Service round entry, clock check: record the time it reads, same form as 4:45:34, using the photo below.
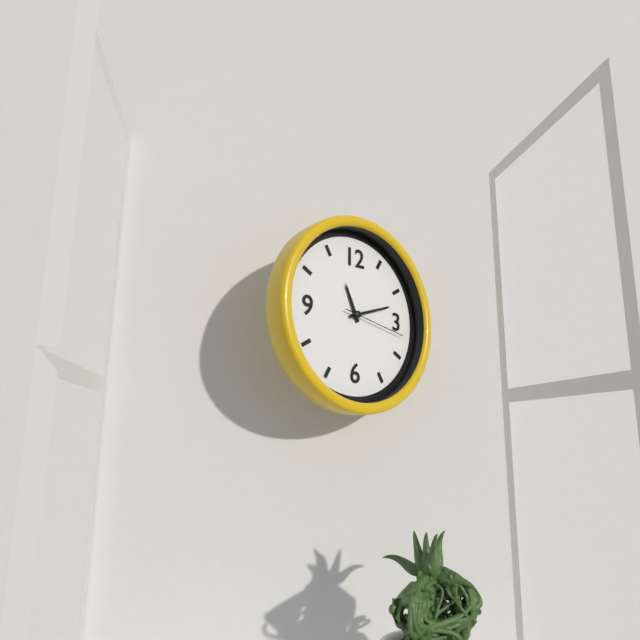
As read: 11:12:17
